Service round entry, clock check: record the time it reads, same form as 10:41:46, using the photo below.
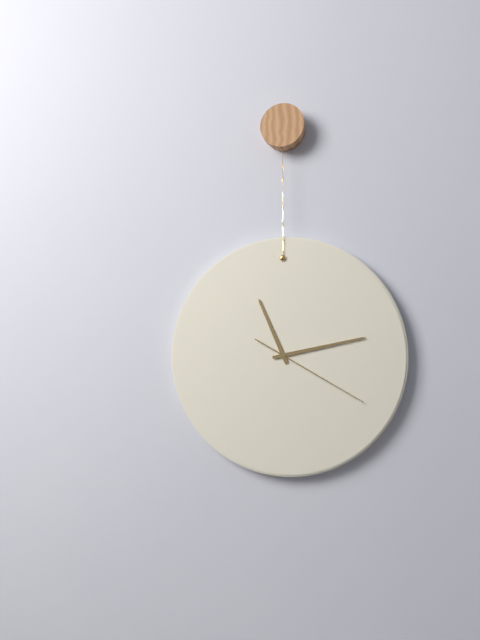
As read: 11:13:20
